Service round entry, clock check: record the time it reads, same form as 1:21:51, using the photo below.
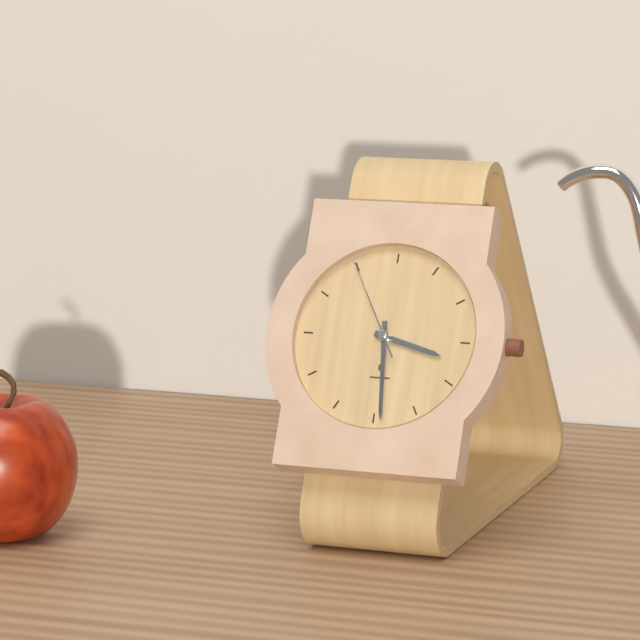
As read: 3:29:55
